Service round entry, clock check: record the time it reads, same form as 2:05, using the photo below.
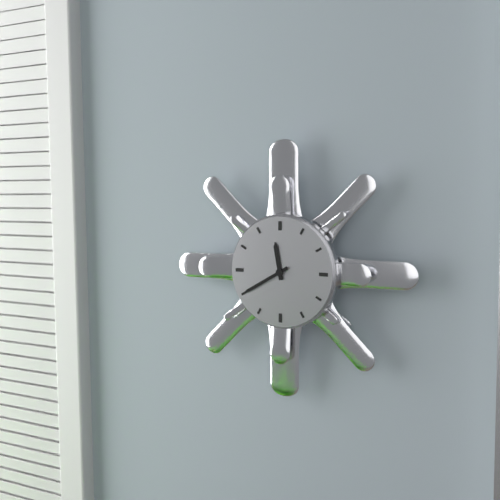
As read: 11:40
